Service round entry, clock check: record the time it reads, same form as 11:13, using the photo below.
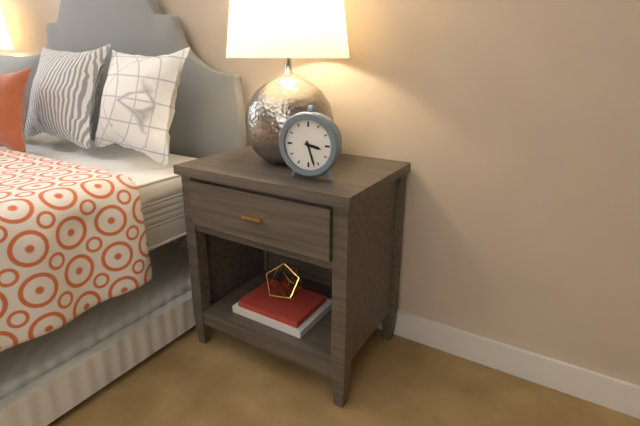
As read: 3:27
